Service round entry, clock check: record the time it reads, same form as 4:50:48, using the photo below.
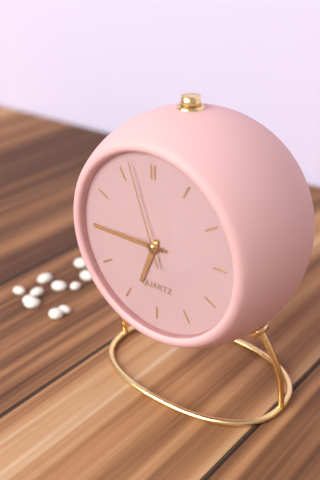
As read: 6:45:57
